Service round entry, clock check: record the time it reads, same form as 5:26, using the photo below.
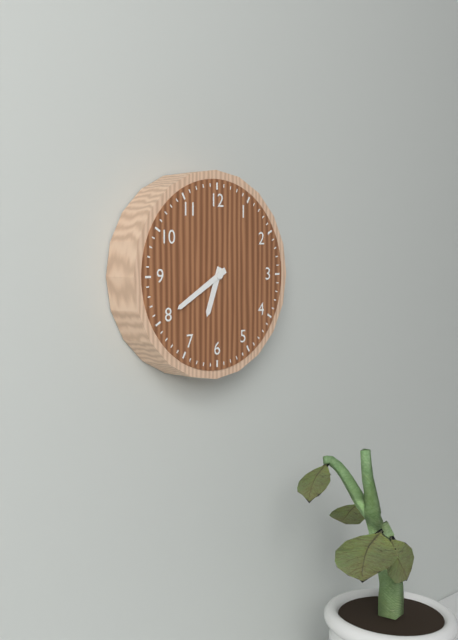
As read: 6:40
